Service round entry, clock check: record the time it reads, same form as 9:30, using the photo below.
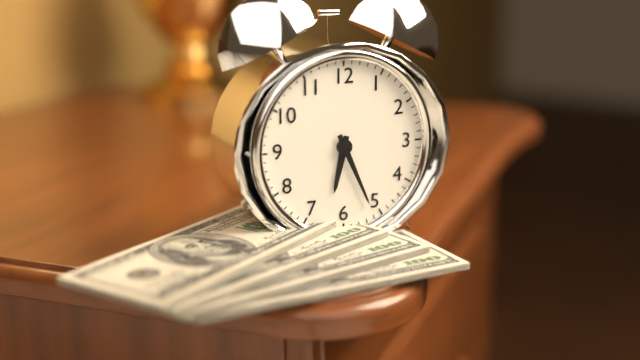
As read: 6:26
